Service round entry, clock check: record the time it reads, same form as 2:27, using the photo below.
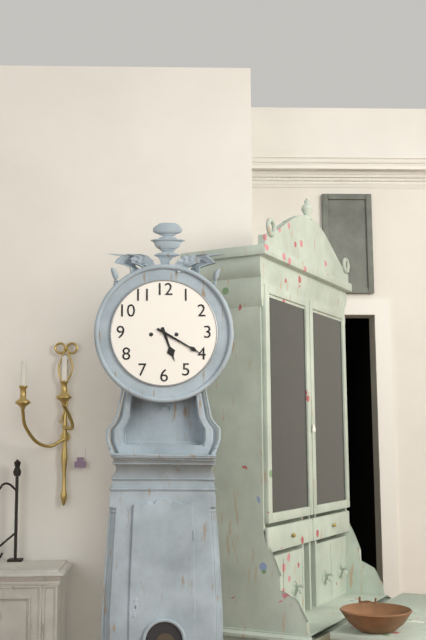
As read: 5:20
